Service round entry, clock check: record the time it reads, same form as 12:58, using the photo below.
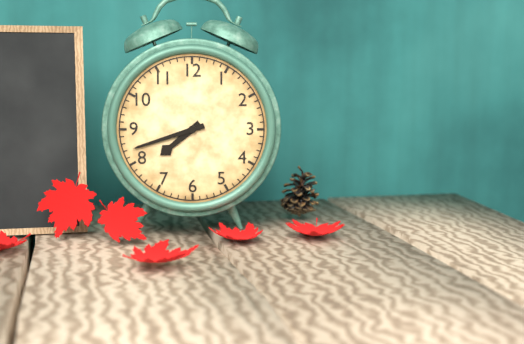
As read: 7:42
